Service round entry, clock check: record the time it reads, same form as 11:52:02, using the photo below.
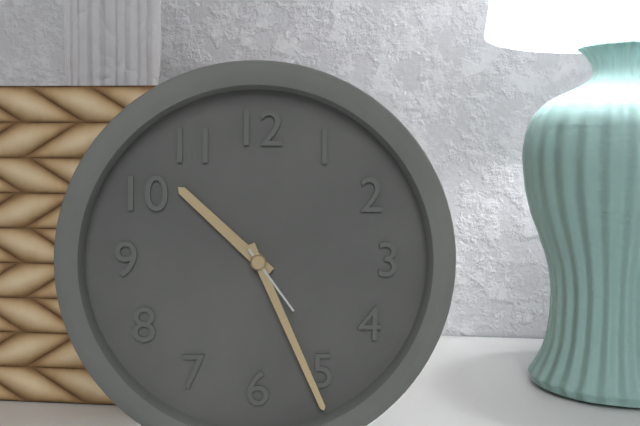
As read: 10:26:24
